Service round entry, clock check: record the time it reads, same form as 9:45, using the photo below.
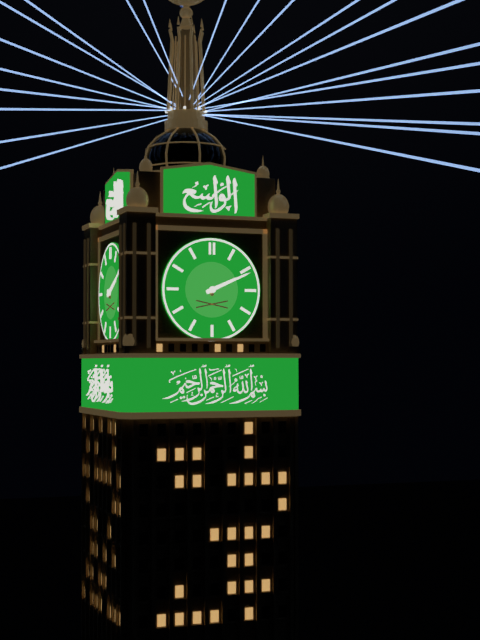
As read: 2:11
